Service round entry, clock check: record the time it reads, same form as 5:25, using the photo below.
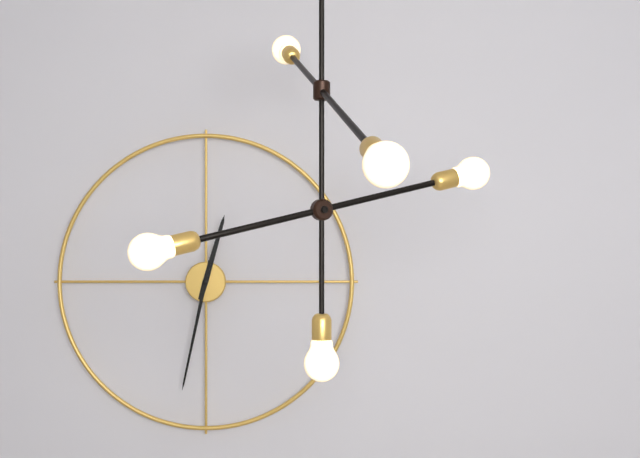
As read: 12:32
